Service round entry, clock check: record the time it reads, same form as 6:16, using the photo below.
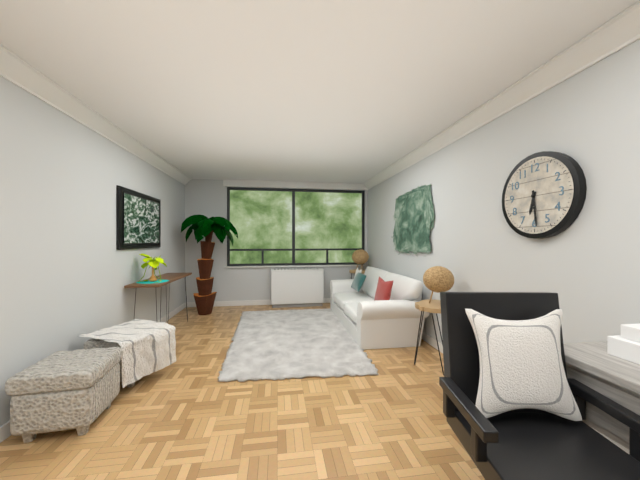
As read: 6:29
